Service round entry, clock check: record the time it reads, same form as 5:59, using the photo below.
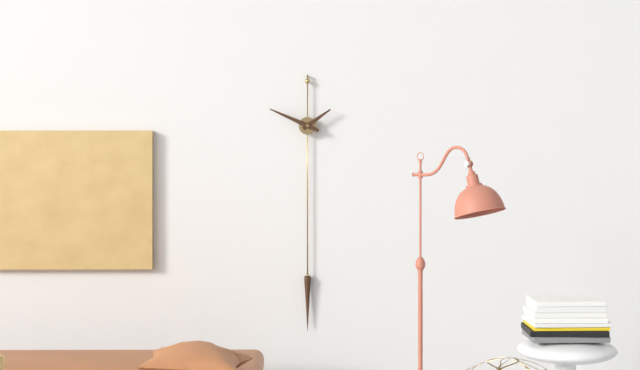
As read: 1:49
